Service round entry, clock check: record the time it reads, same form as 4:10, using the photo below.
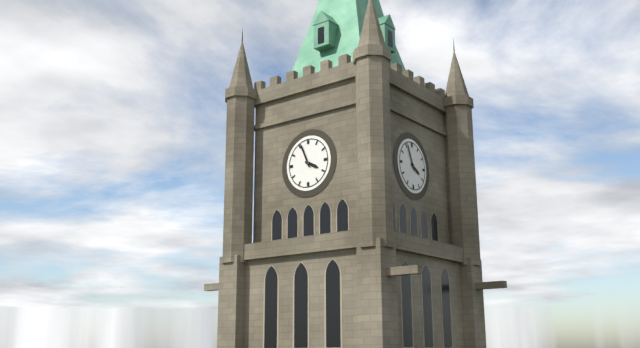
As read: 3:56
